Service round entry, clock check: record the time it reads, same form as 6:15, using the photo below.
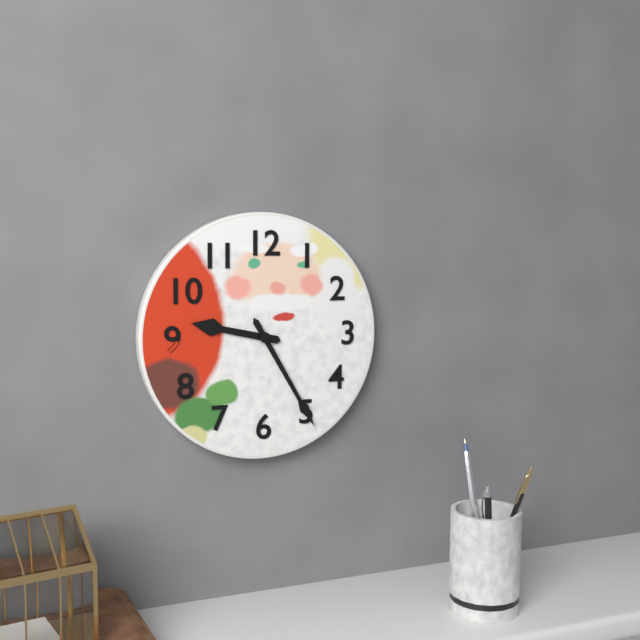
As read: 9:25
